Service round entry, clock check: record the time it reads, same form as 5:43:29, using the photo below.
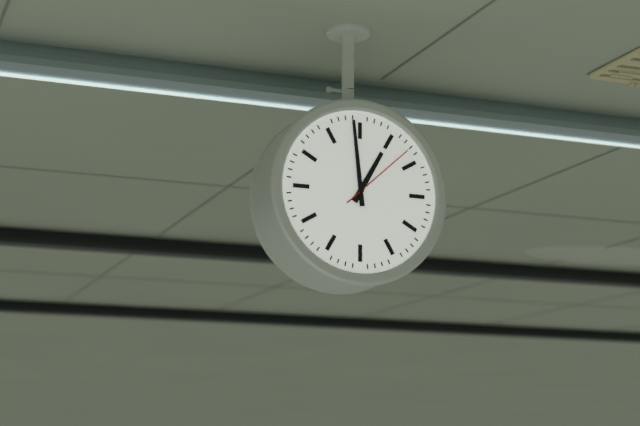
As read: 12:59:08
